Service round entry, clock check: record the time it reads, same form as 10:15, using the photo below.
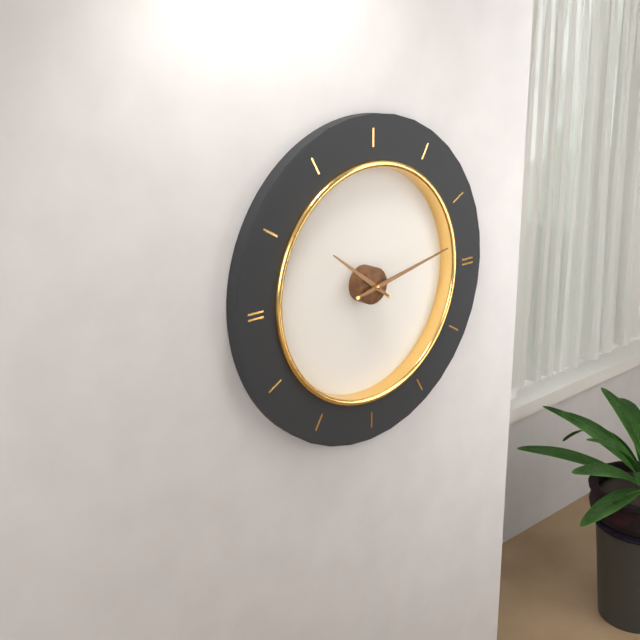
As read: 10:13
